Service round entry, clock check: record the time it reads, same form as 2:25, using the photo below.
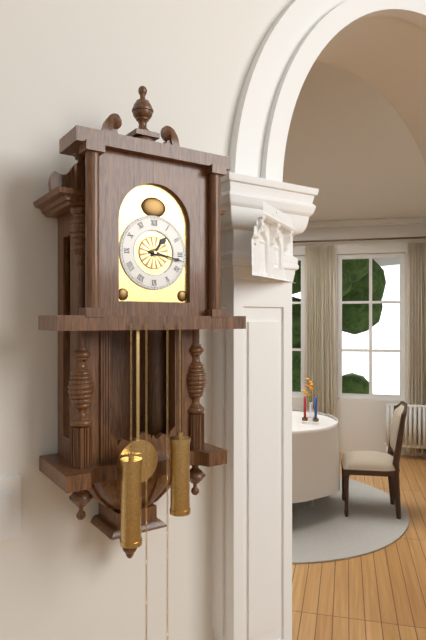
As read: 1:17
